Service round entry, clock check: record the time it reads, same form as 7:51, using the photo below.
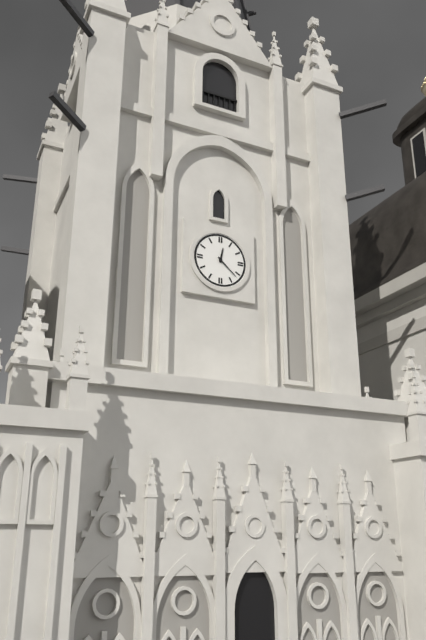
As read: 12:22
